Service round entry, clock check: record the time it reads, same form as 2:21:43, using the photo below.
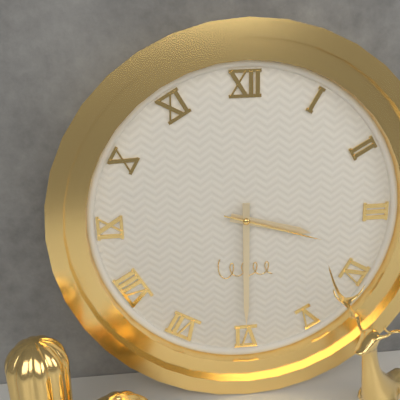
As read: 3:30:18
